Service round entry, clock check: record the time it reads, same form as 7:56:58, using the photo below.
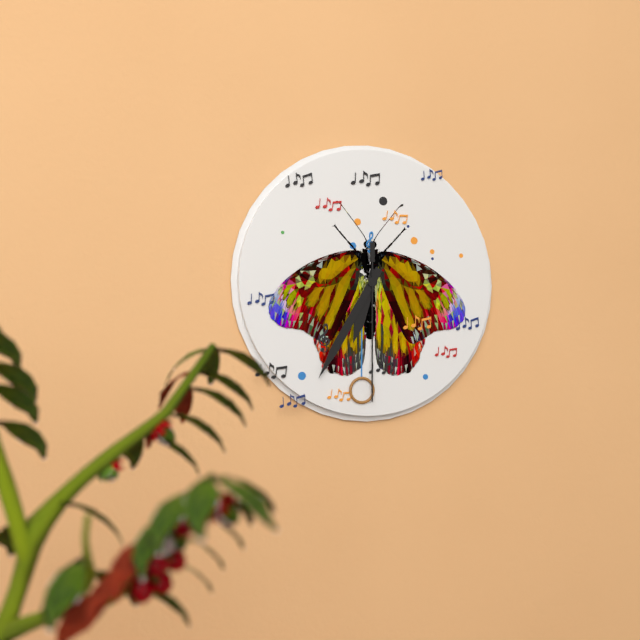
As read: 6:35:30
